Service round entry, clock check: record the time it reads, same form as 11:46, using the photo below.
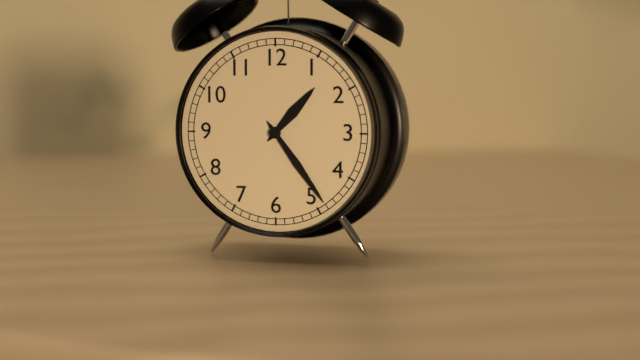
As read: 1:24
